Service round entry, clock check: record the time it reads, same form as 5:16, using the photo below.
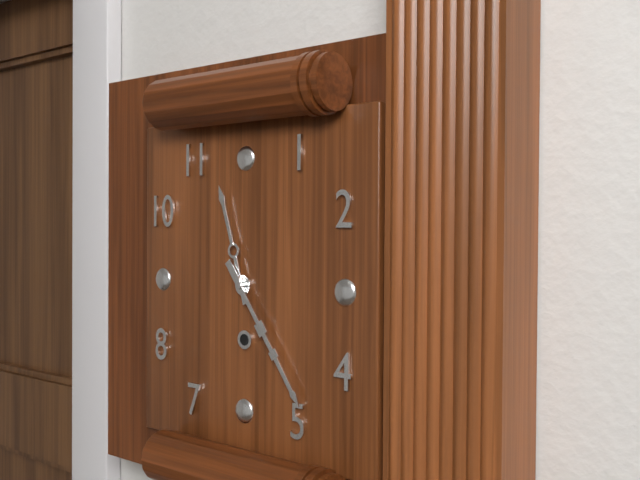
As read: 11:24
